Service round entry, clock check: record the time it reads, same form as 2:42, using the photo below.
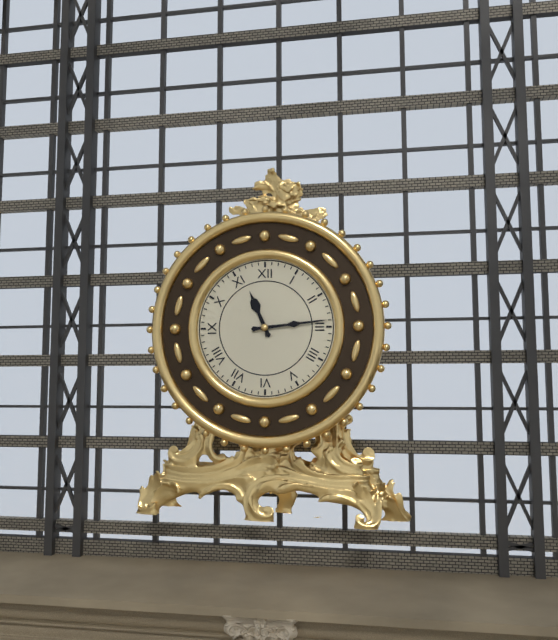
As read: 11:14
